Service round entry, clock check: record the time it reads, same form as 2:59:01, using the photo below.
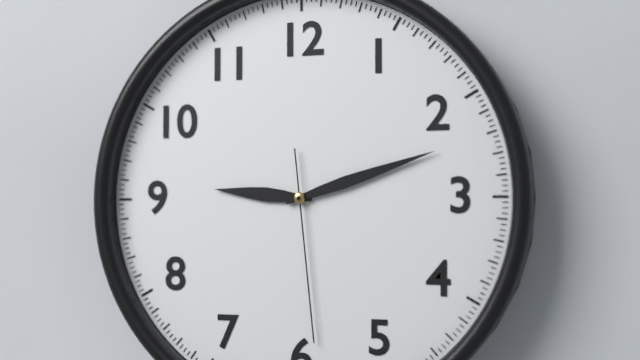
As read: 9:12:29
